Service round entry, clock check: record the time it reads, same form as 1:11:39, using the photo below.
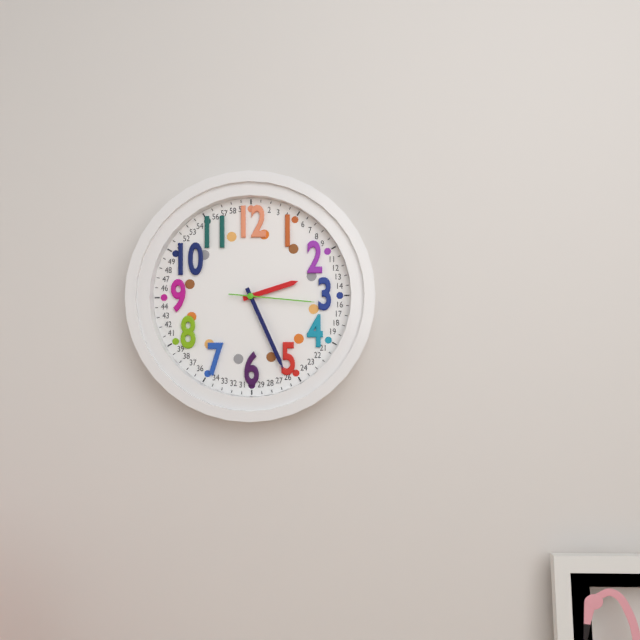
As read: 2:26:16
